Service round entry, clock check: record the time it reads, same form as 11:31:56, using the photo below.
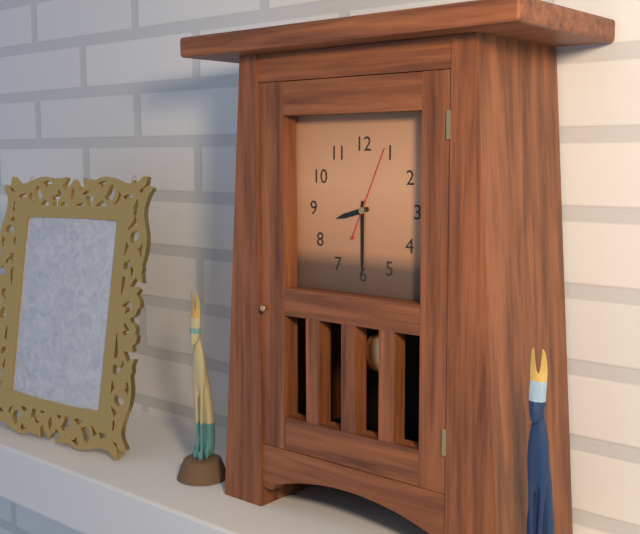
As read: 8:30:04
